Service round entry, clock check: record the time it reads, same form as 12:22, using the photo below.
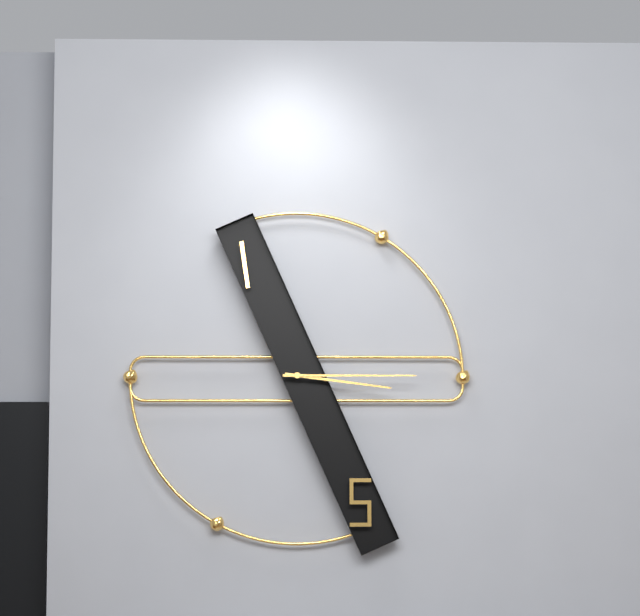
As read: 3:15
